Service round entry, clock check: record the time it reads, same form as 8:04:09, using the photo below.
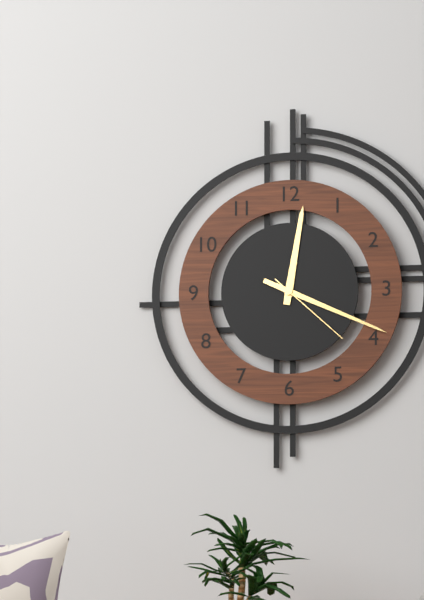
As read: 12:19:22
